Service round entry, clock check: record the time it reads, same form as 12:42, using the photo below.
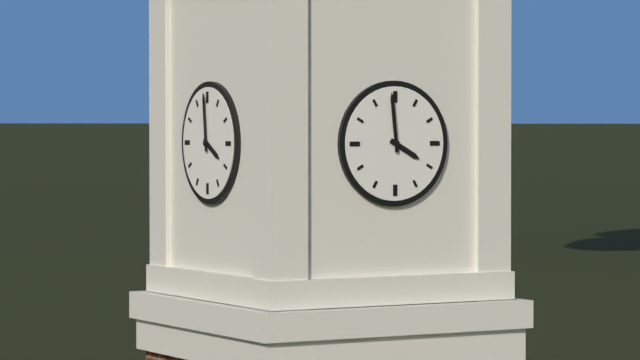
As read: 3:59
